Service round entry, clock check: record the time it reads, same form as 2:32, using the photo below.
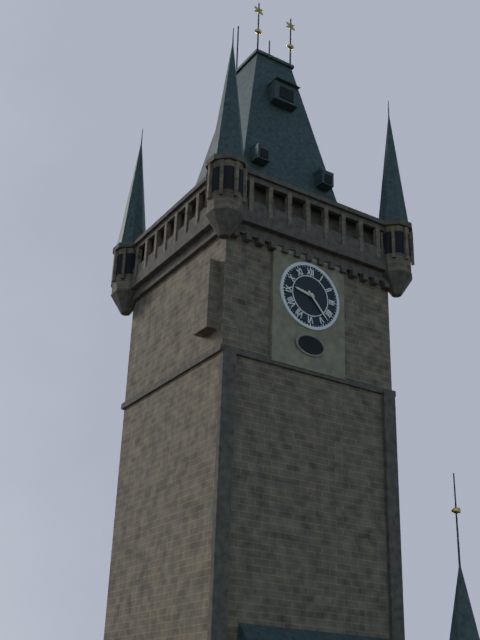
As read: 9:23
